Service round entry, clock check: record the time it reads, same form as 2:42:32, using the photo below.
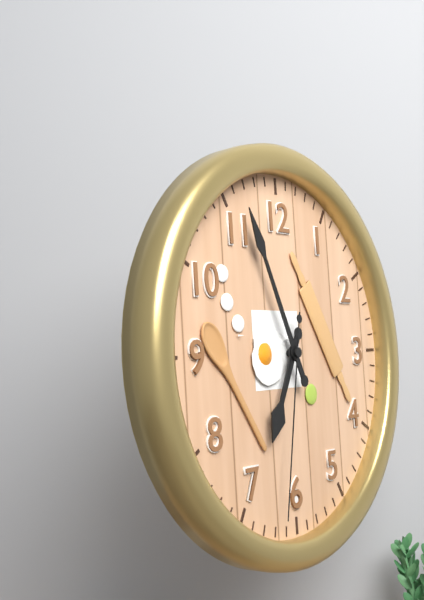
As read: 6:56:32
